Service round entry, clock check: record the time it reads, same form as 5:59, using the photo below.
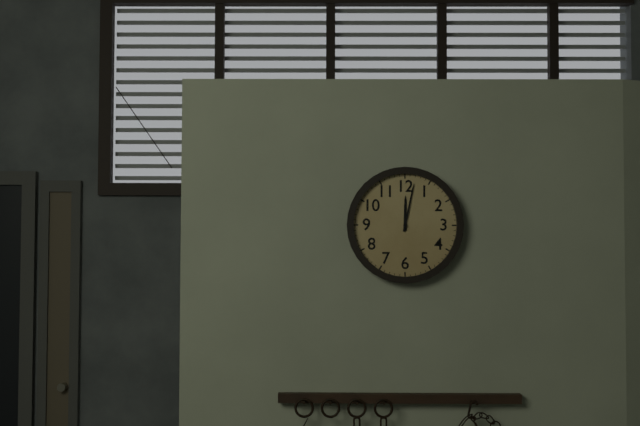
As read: 12:02
